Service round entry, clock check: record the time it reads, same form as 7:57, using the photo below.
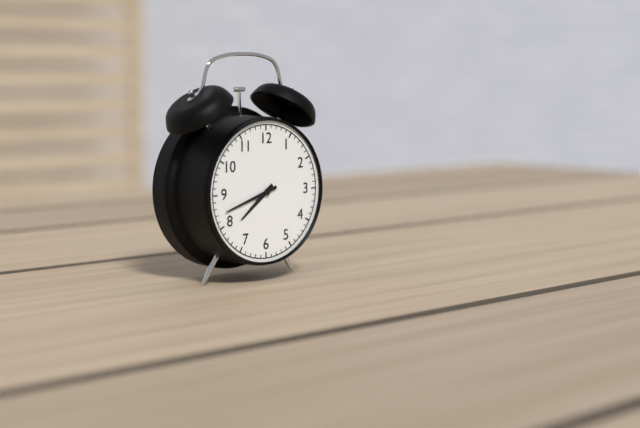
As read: 7:42
